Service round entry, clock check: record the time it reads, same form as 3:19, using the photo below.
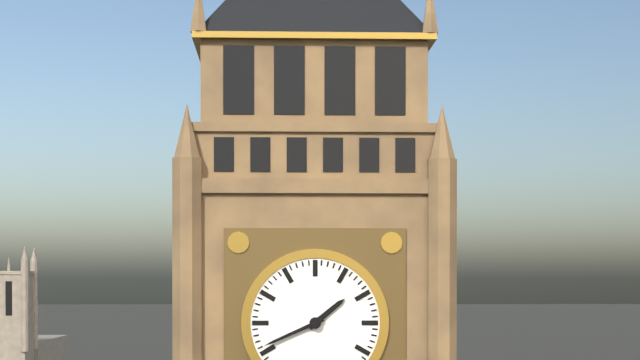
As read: 1:41
